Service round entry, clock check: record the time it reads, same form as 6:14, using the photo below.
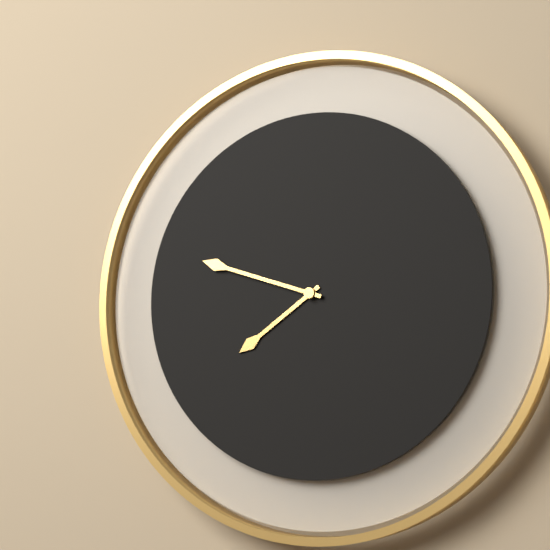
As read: 7:48
